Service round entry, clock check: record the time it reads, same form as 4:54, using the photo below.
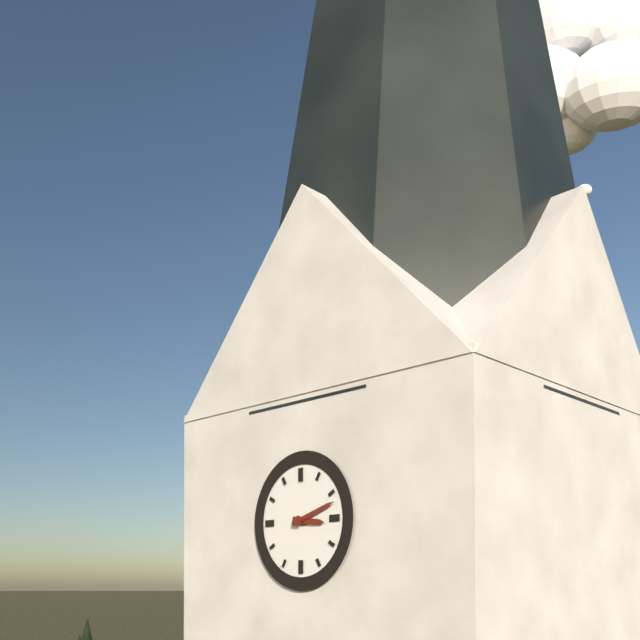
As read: 3:12
